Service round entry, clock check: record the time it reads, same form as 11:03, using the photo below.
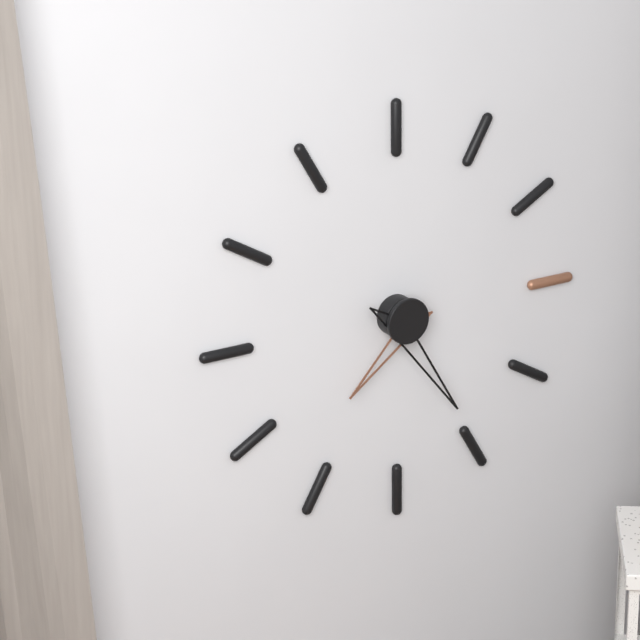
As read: 7:25
